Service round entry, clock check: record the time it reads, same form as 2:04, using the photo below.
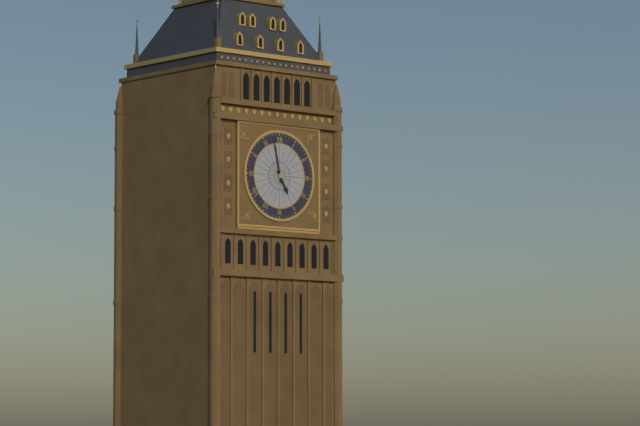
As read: 4:58
